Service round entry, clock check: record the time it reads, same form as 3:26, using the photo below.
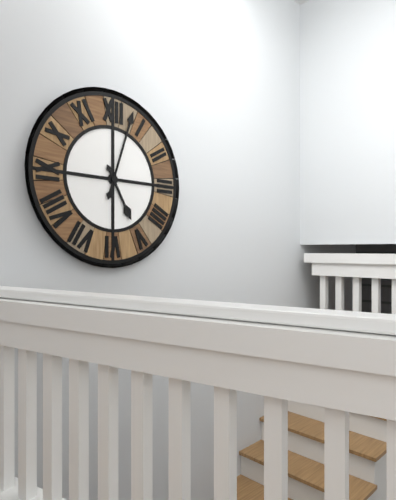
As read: 5:03
